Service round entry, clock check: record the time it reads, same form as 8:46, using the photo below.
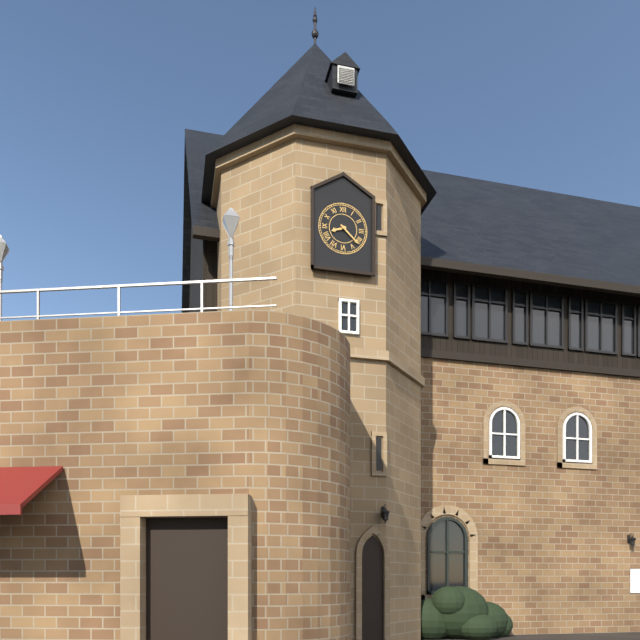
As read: 8:22
